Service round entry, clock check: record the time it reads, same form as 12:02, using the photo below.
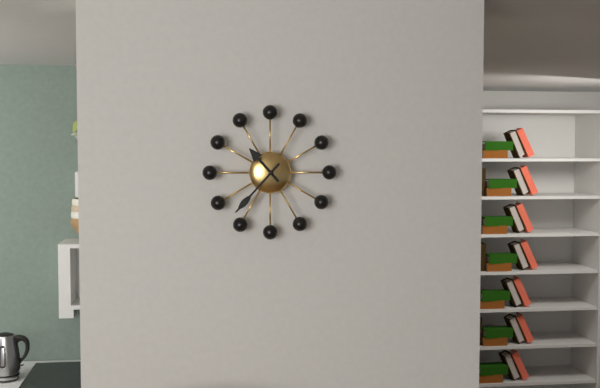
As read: 10:37
